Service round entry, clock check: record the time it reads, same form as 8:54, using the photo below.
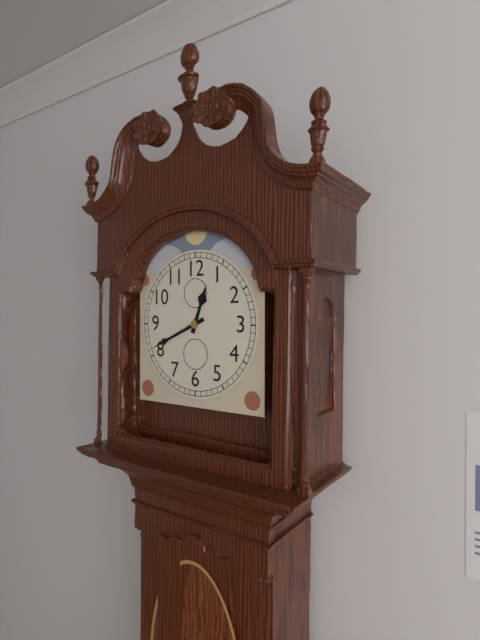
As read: 12:41
